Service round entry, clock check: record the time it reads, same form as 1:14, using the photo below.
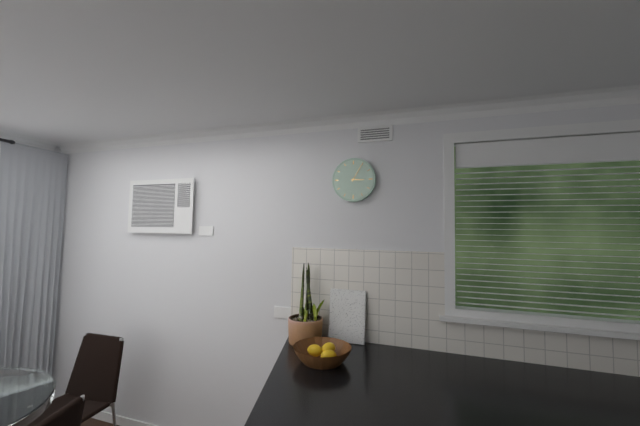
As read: 3:05
